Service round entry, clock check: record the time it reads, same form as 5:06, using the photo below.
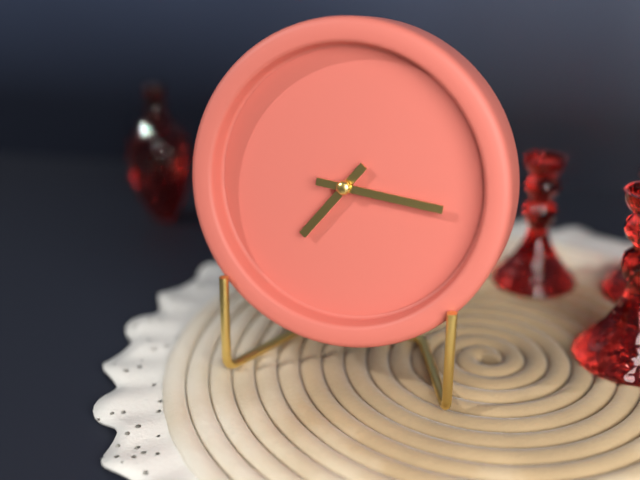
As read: 7:16
